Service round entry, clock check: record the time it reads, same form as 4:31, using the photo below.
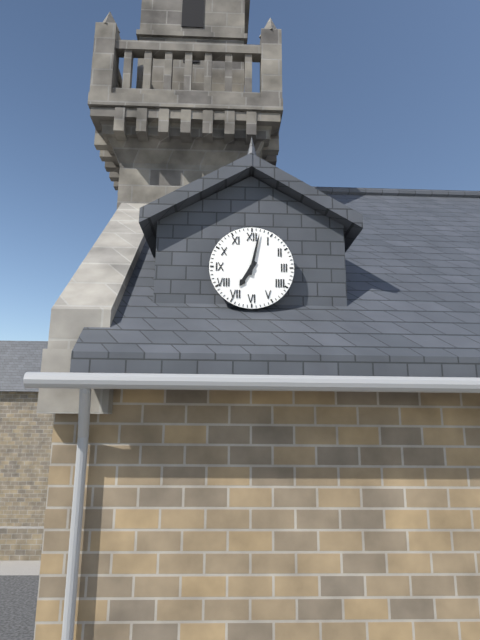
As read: 7:02
